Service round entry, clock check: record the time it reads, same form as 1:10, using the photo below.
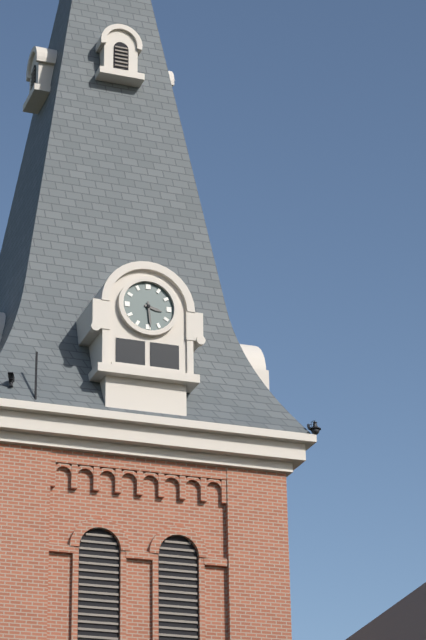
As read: 3:29
